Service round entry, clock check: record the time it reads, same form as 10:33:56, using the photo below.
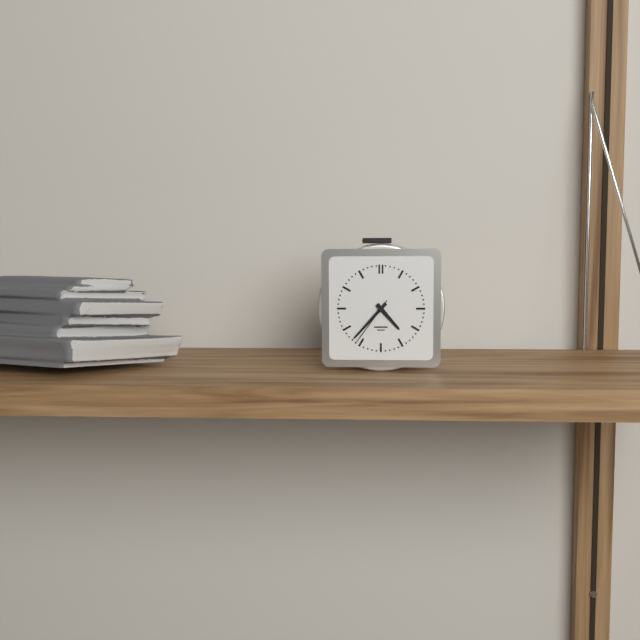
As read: 4:37:36
